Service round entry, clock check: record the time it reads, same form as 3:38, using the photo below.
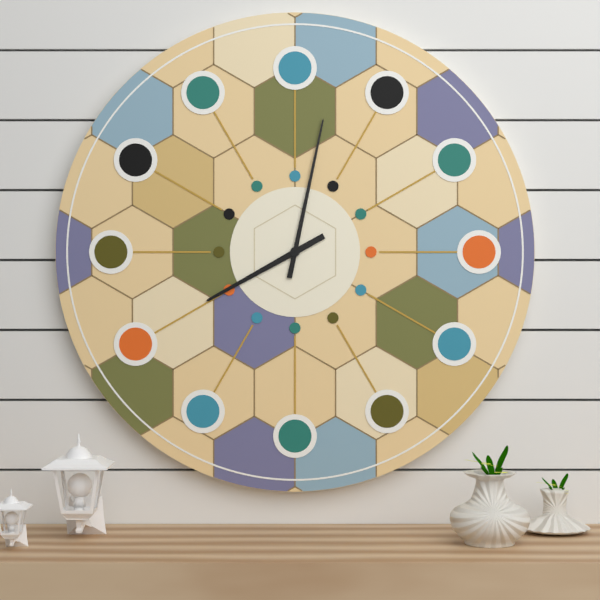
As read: 8:02
